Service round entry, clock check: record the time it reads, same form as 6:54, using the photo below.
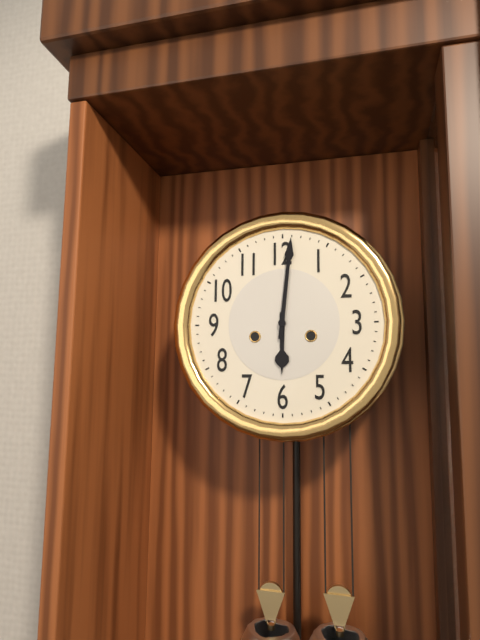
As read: 6:01
